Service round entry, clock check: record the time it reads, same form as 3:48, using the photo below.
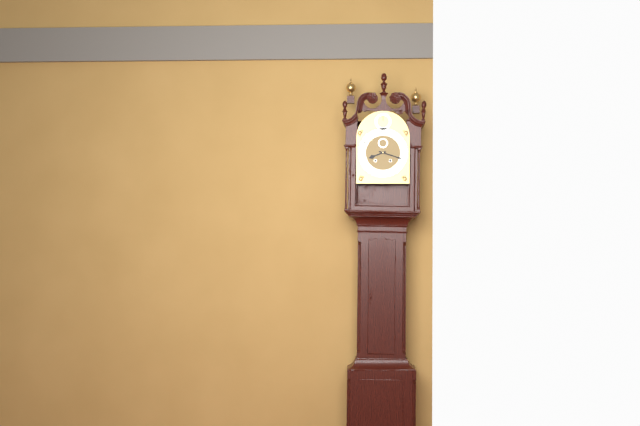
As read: 8:18
